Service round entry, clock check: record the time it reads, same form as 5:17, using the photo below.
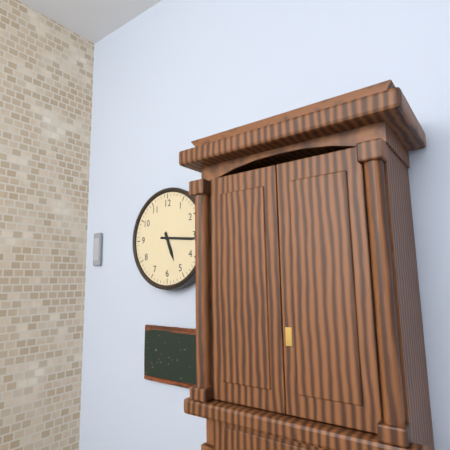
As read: 5:16
